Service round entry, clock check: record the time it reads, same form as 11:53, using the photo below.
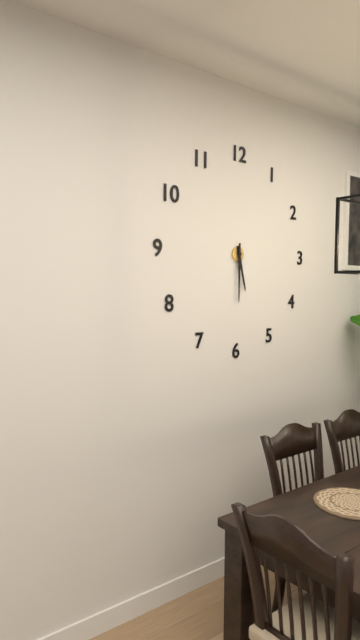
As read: 5:30
